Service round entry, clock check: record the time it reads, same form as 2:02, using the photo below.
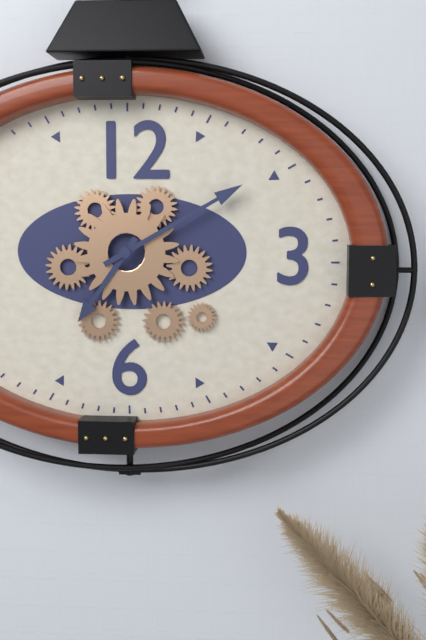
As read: 7:10
